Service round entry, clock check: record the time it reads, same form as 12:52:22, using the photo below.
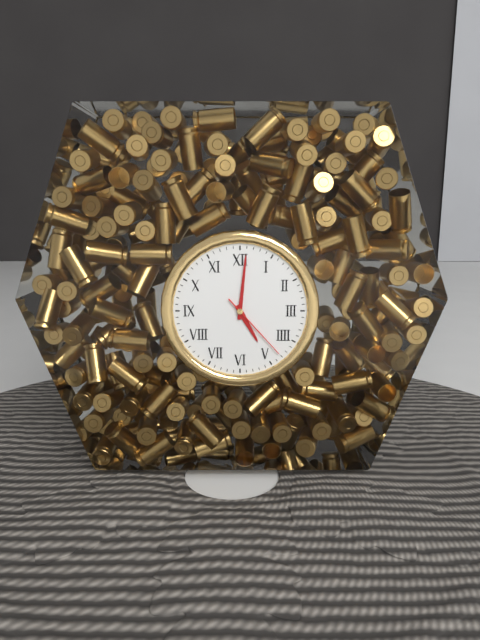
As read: 5:01:23
